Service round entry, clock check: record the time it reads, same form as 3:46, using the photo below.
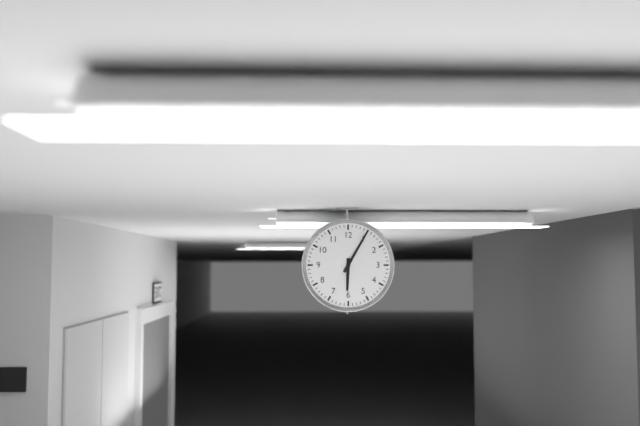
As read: 6:05
